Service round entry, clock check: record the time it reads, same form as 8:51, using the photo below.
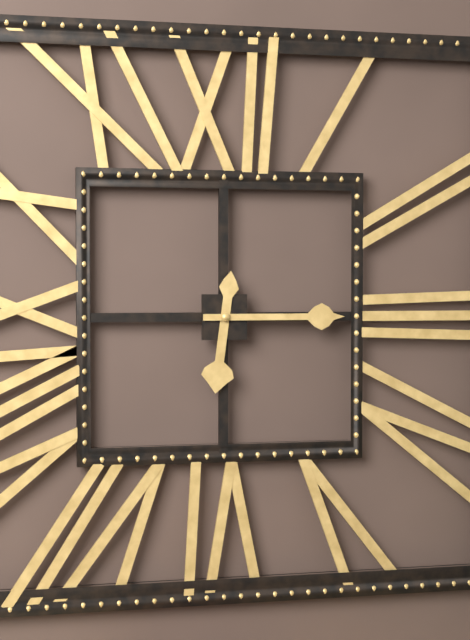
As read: 6:15
